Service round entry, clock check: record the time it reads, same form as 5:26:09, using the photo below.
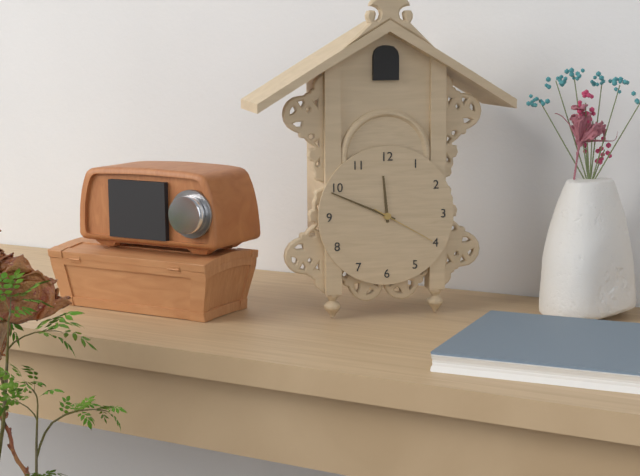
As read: 11:49:20
